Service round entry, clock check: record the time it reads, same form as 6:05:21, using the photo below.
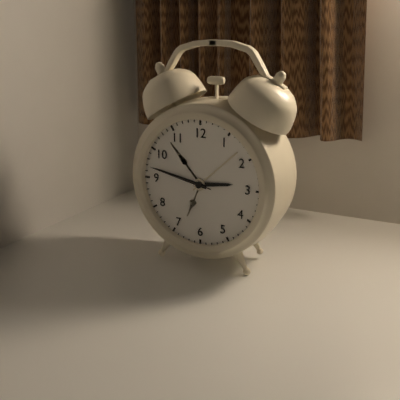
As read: 2:47:47
